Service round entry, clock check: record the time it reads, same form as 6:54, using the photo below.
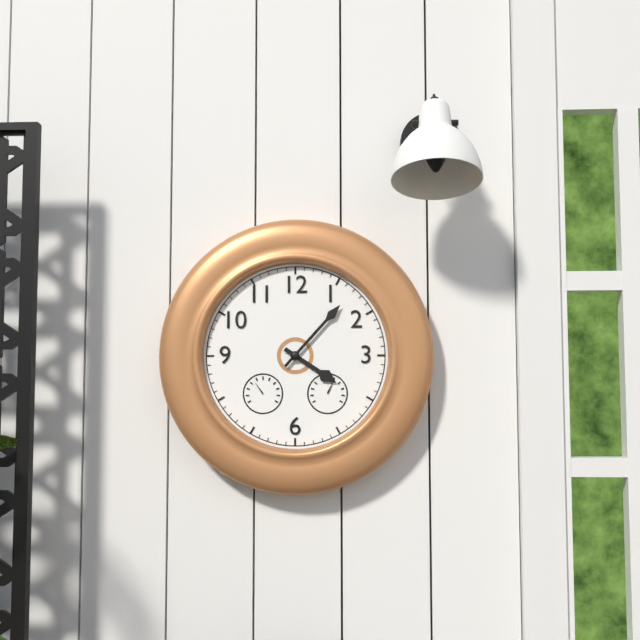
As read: 4:07
